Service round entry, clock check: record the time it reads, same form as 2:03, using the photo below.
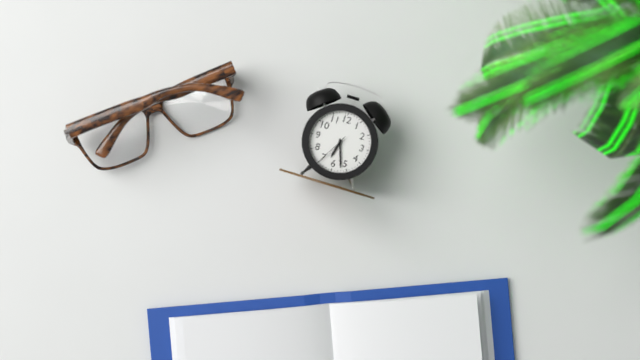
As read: 6:27
